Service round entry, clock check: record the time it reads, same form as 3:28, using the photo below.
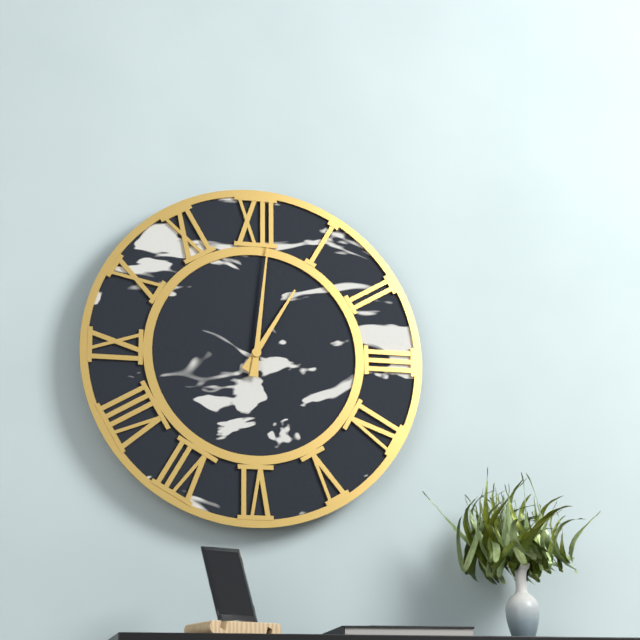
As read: 1:01
